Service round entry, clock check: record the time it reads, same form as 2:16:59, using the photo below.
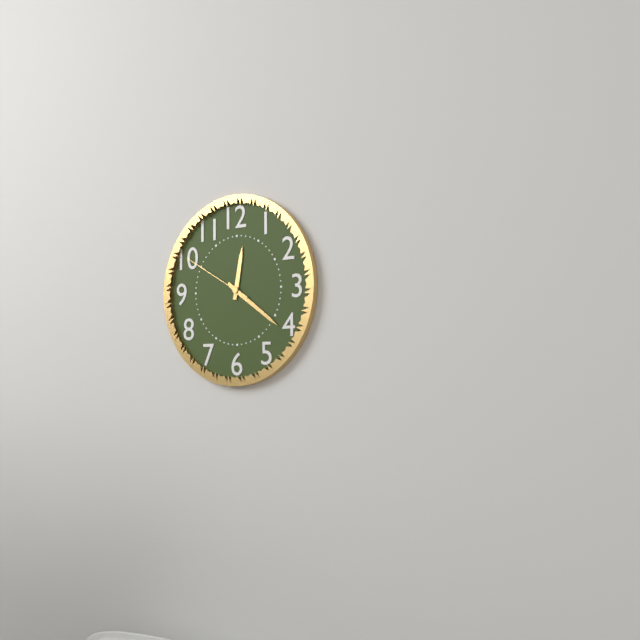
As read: 12:21:50
